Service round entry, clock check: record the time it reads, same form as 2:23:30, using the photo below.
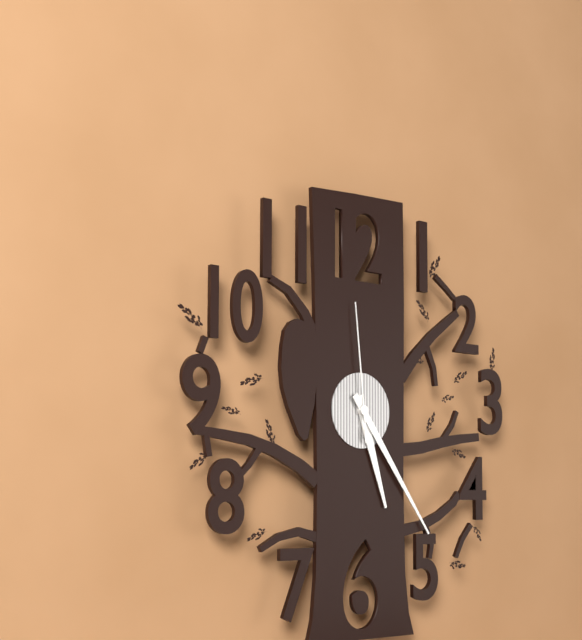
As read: 5:24:59
